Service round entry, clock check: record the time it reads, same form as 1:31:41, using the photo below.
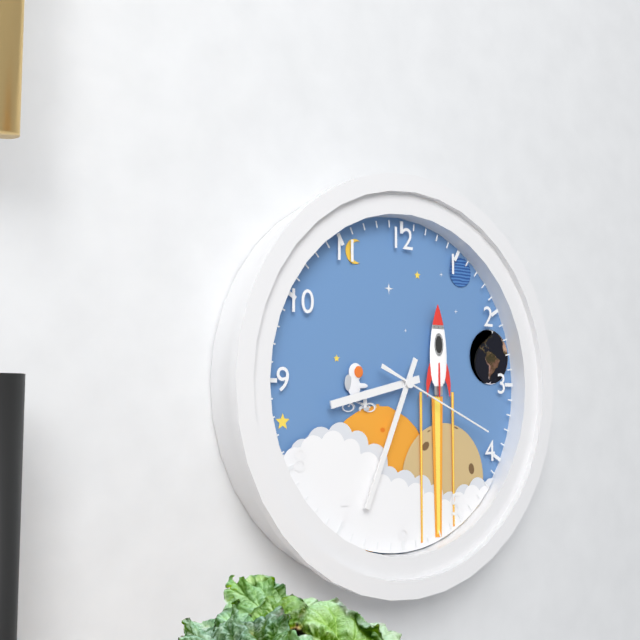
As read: 8:34:19
